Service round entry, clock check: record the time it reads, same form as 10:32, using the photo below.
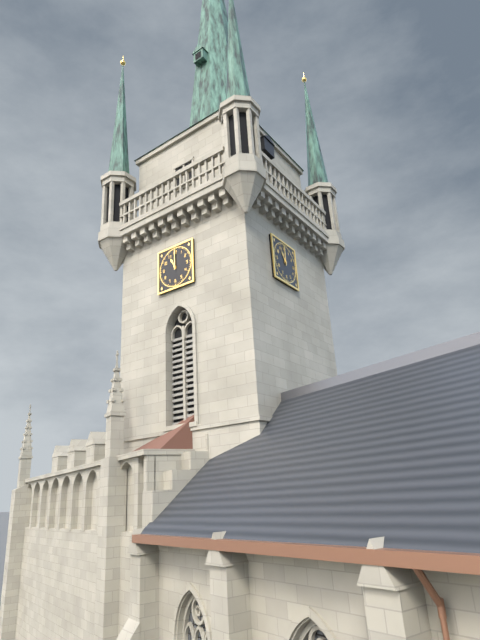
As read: 11:00
